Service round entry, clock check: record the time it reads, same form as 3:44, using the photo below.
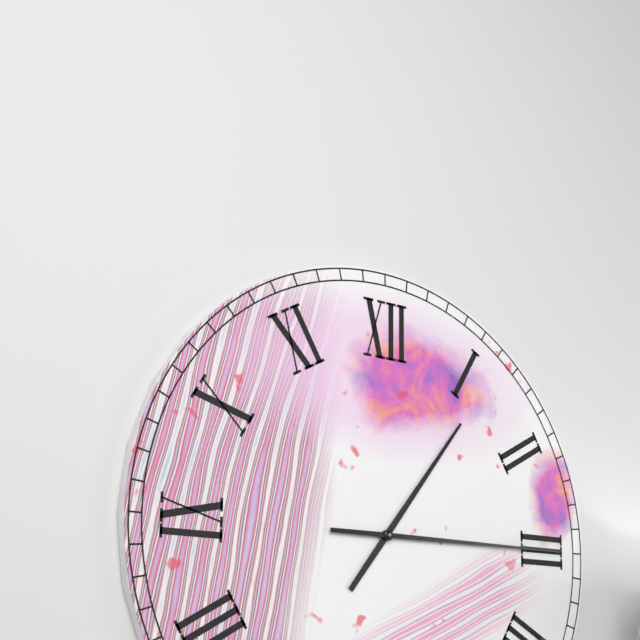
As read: 1:15
